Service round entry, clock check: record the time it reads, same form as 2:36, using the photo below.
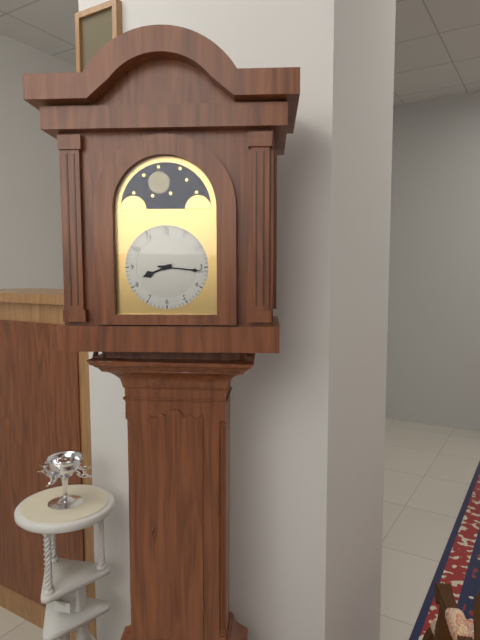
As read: 8:16
